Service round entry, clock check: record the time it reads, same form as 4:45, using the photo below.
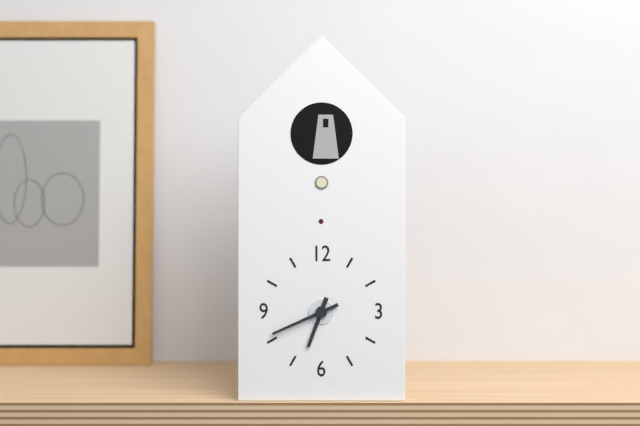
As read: 6:41
